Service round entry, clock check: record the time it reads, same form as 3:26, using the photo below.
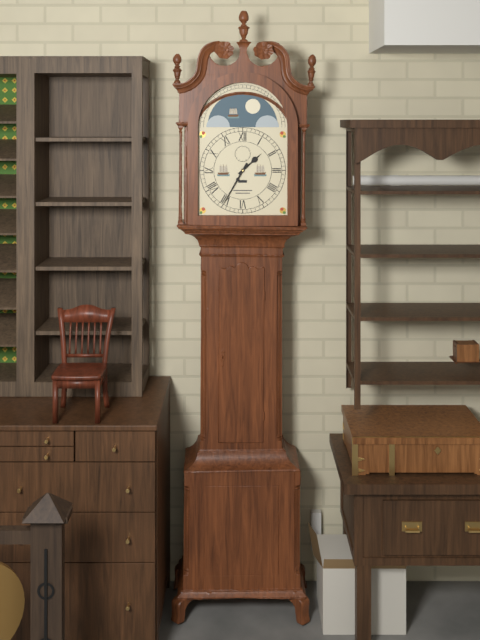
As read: 1:35
